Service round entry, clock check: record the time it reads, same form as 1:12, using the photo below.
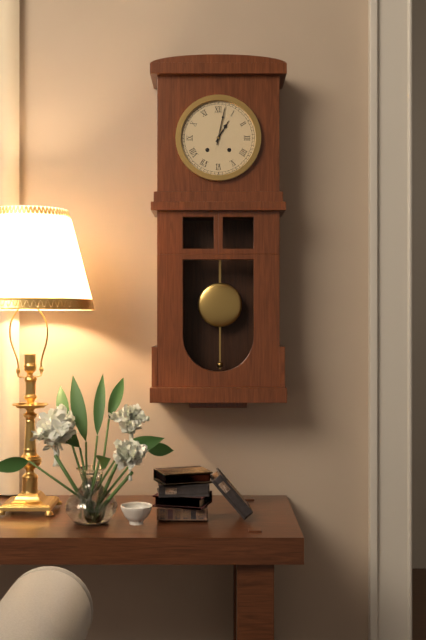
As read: 1:02
